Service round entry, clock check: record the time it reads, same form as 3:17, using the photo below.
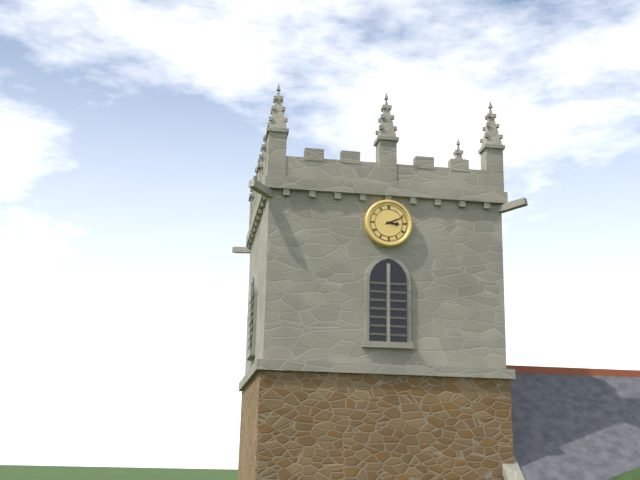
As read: 3:11
